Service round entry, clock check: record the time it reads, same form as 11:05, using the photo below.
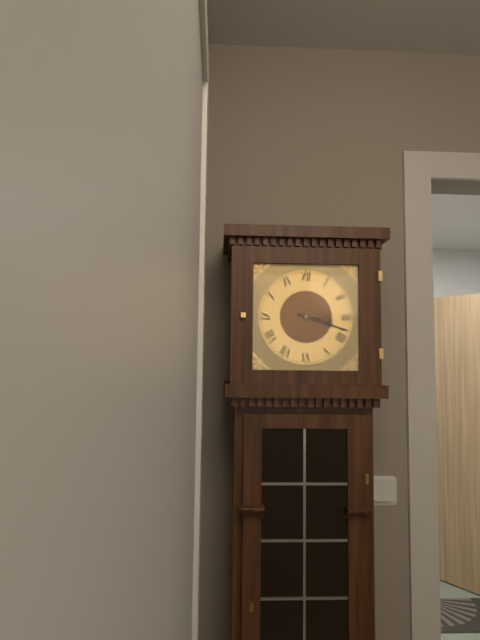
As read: 3:18
